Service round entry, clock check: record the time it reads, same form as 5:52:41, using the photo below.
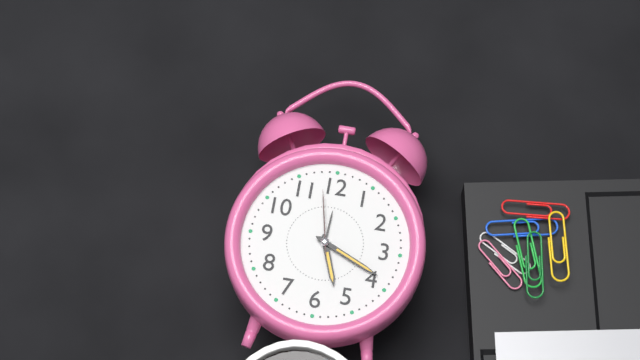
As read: 5:19:58
